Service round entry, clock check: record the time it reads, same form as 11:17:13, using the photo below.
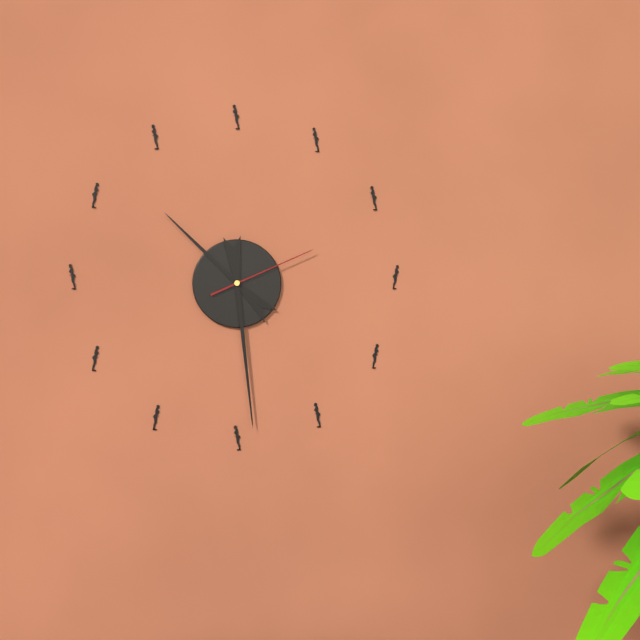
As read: 10:29:11
